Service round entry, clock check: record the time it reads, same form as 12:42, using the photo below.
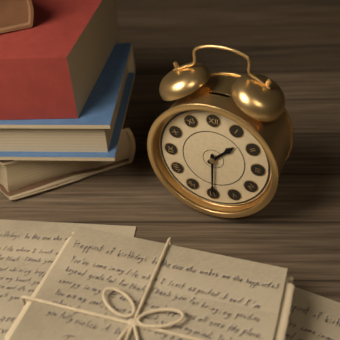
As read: 1:30
